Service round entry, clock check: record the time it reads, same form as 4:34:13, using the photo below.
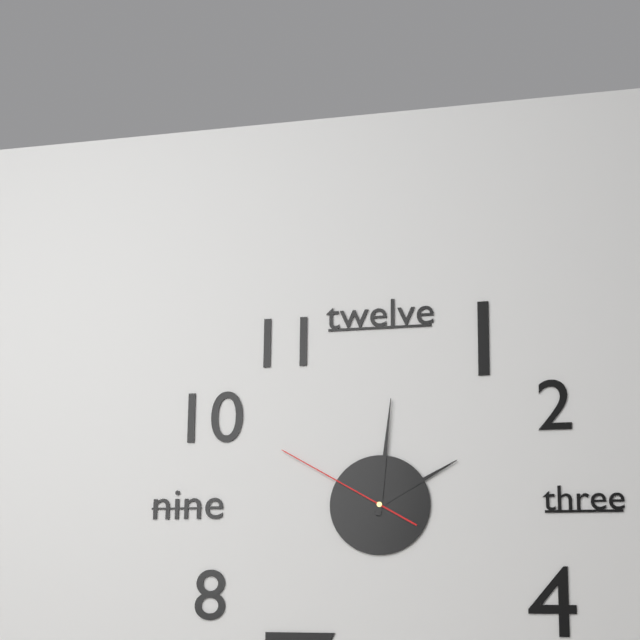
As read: 2:01:50
